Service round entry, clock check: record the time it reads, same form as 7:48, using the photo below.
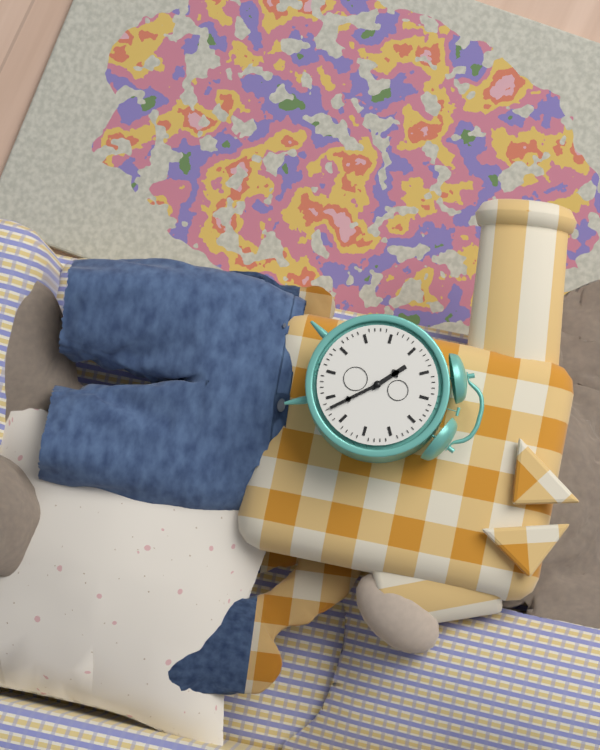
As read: 10:23
